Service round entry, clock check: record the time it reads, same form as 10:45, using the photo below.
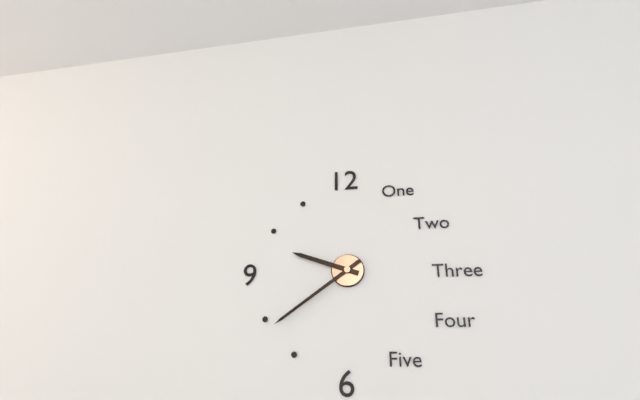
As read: 9:39
